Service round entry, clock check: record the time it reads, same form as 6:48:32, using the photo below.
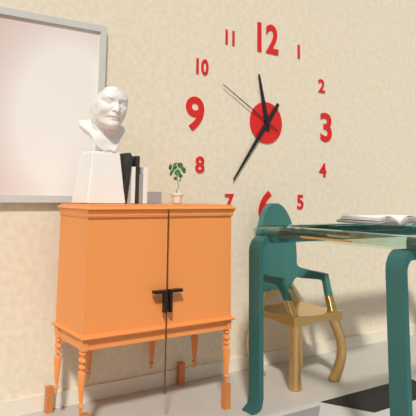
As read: 11:36:50
